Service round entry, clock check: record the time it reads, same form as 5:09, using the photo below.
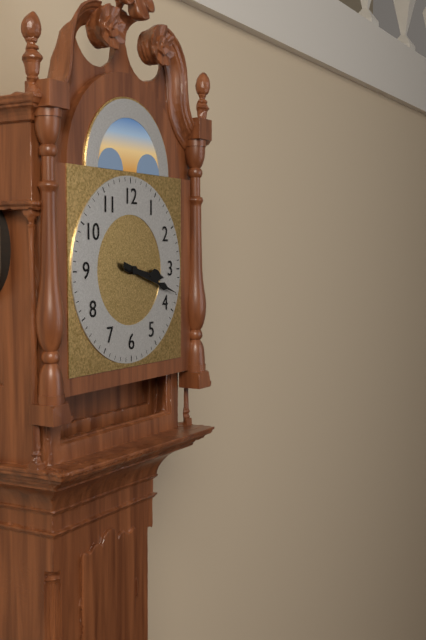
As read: 3:18
